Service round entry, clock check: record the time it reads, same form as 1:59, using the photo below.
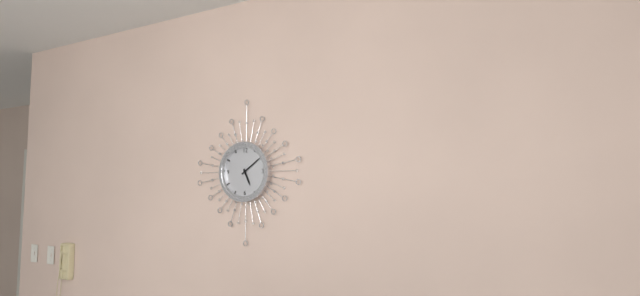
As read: 5:09
